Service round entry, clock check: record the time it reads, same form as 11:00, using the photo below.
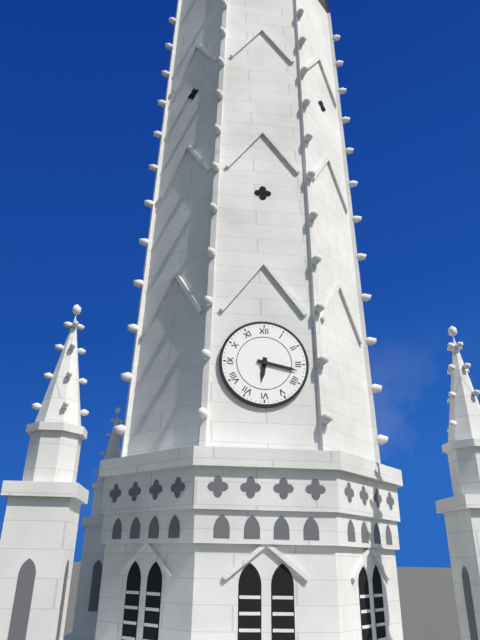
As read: 6:17
